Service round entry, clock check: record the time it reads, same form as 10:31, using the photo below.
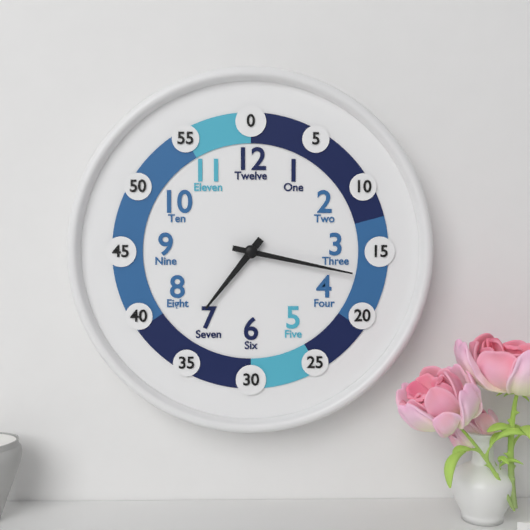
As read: 7:17
